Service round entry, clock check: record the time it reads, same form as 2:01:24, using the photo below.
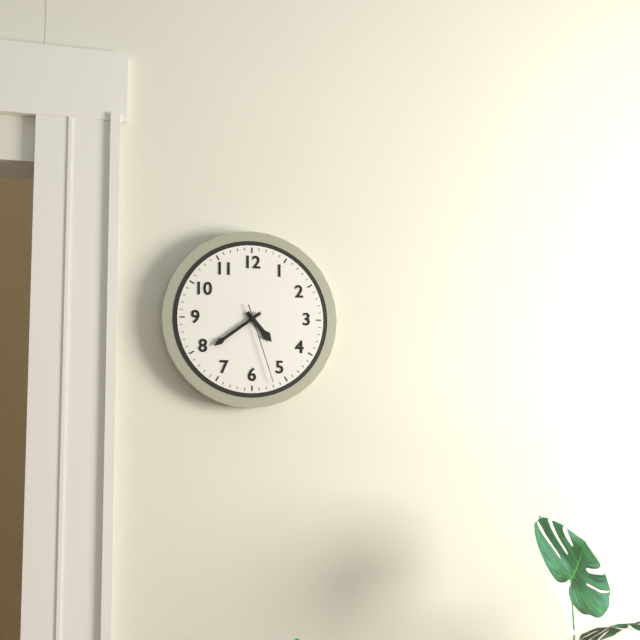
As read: 4:39:27
